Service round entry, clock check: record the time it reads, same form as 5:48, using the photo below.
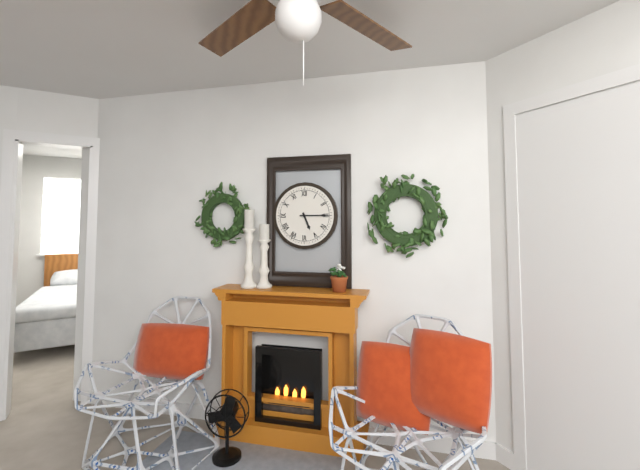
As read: 5:15
